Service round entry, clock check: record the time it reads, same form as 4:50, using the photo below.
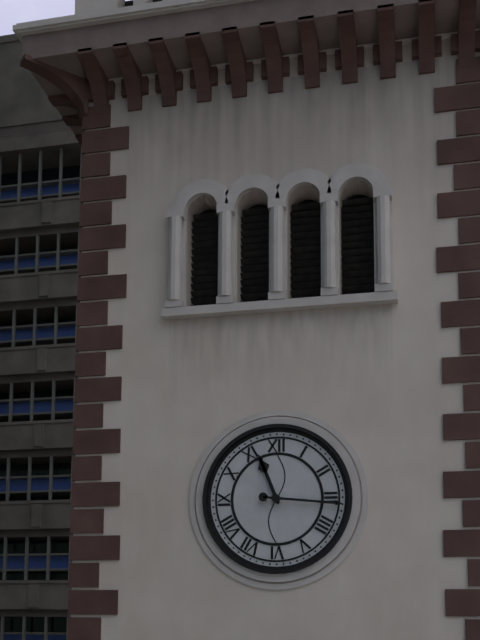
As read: 11:16
